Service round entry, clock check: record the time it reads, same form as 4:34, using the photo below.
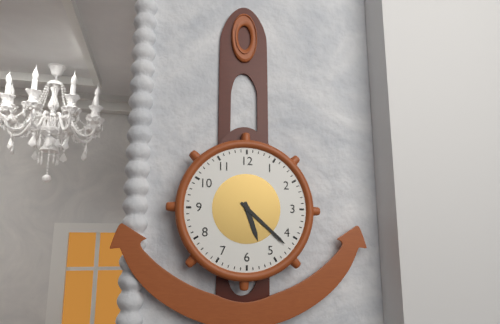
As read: 5:22
